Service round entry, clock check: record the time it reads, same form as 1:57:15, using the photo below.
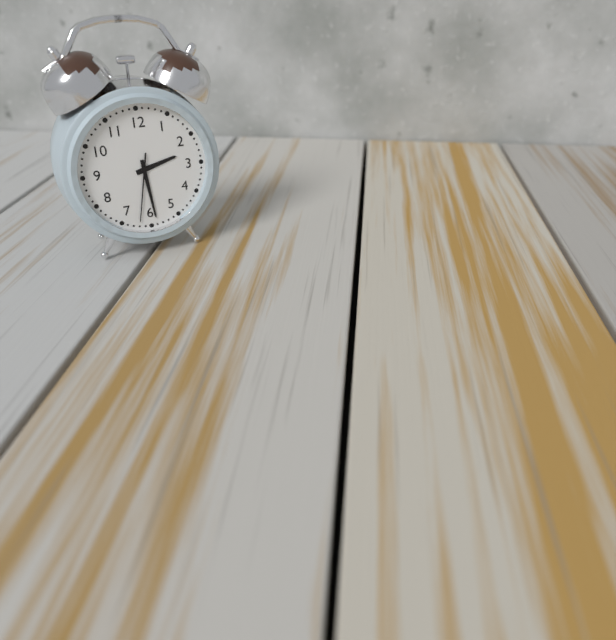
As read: 2:29:32
